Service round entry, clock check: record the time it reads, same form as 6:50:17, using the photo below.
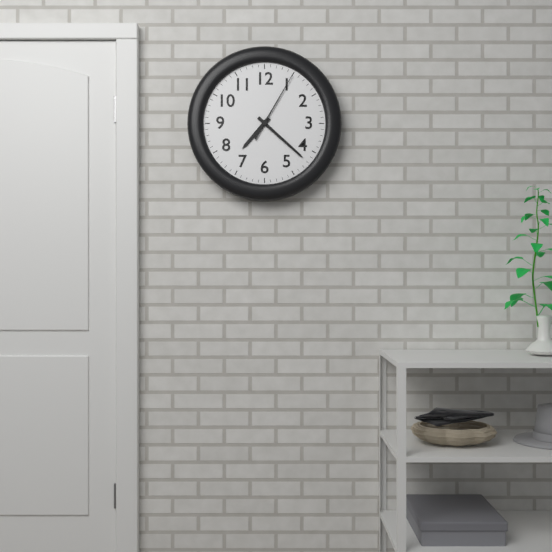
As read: 7:22:05
